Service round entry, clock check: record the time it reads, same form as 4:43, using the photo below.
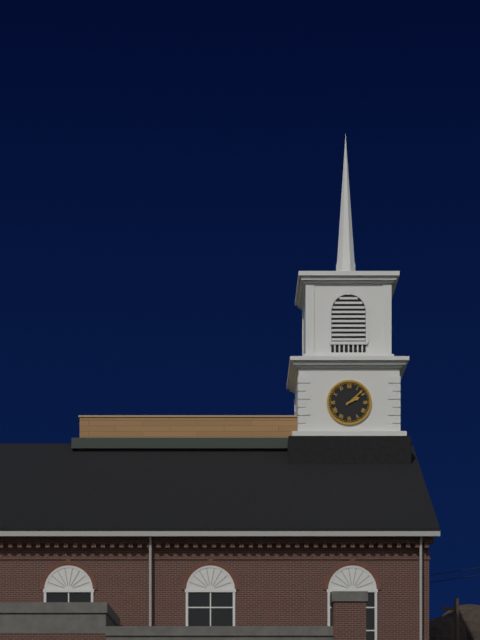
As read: 2:08
